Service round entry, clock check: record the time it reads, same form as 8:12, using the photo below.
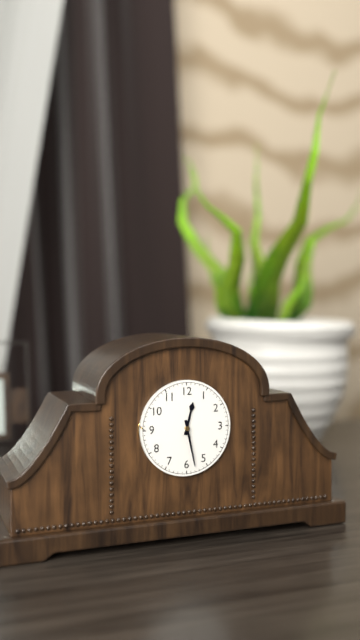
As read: 12:28
